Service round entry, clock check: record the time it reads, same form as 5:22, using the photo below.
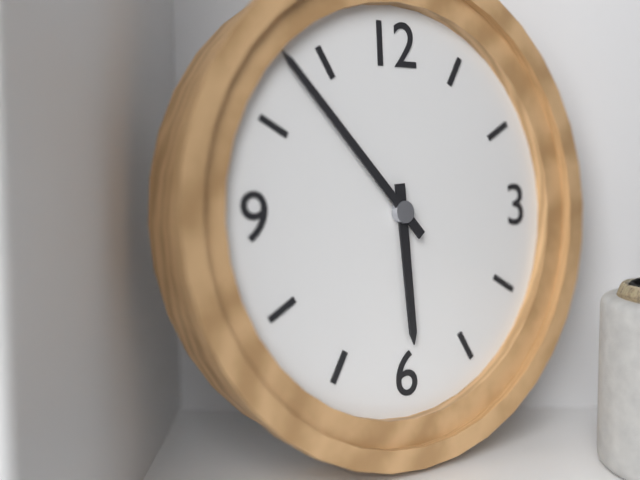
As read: 5:53
